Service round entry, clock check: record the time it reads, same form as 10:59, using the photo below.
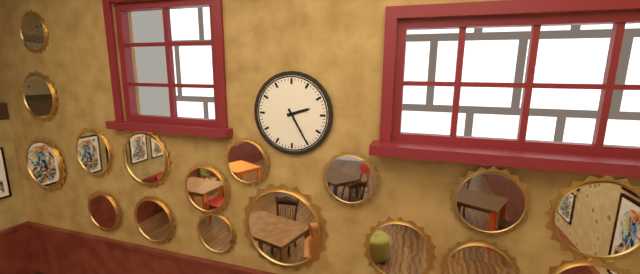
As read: 2:25
